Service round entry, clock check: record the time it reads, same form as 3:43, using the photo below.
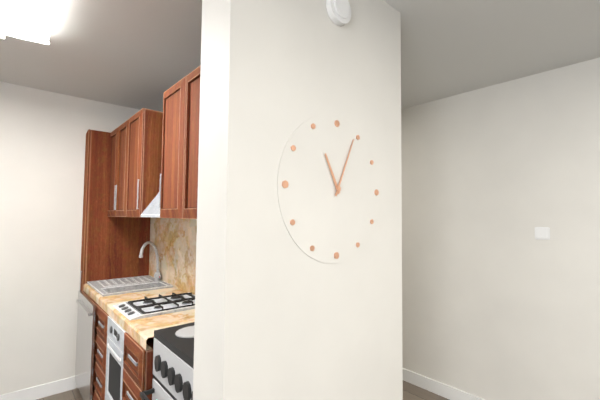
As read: 11:04
